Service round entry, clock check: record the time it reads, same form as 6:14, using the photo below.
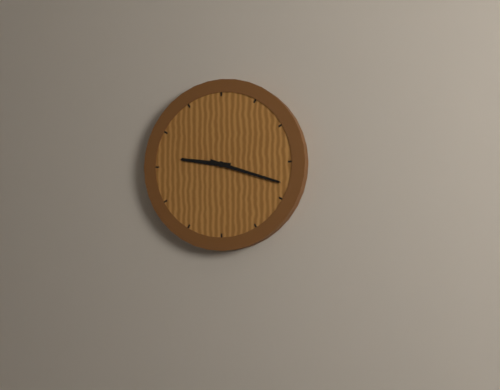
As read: 9:18
